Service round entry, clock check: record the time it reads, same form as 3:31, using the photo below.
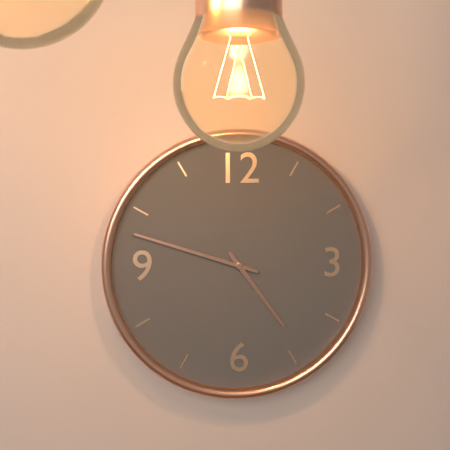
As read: 4:48
